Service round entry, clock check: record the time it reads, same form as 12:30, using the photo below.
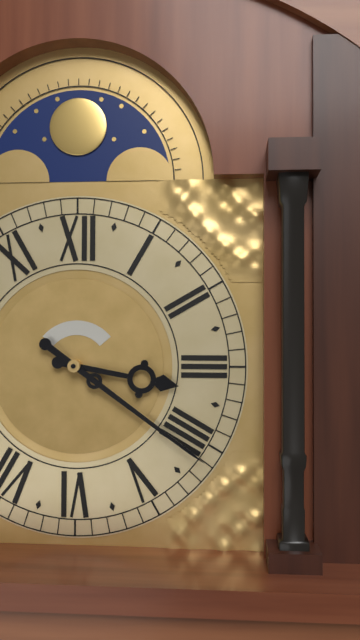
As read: 3:21
